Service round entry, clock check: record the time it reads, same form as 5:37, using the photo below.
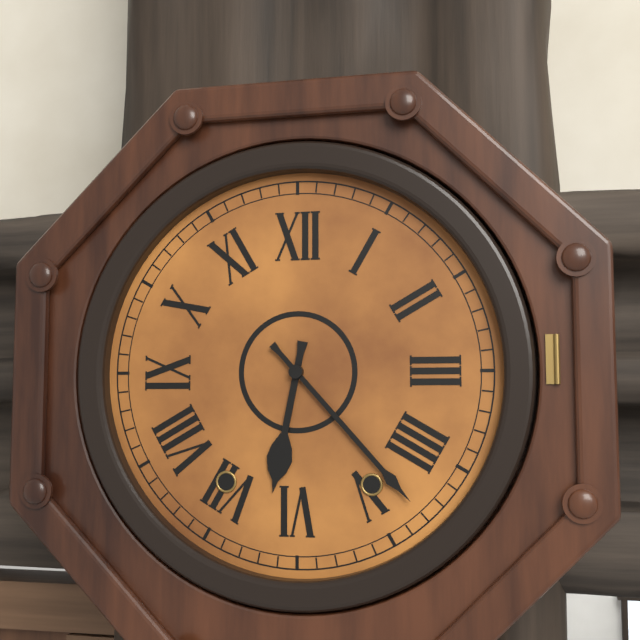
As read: 6:23
